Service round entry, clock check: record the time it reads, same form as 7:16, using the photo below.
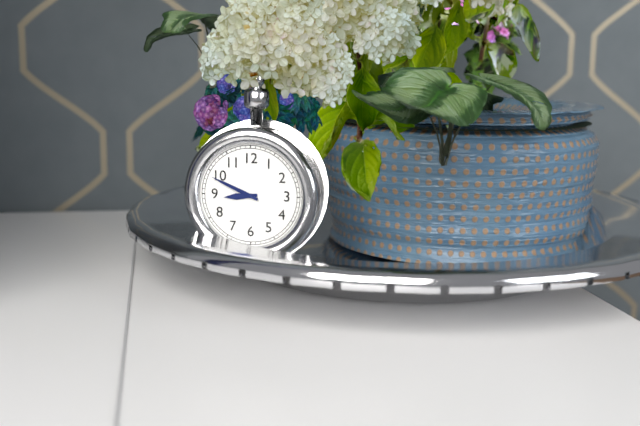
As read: 8:49
